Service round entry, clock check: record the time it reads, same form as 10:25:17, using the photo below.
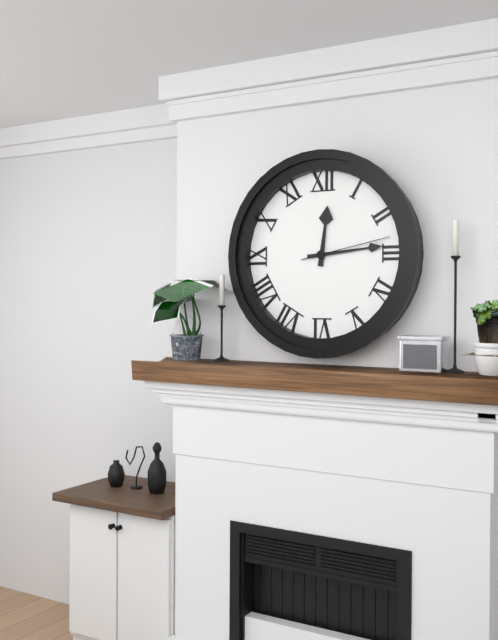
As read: 12:14:13
